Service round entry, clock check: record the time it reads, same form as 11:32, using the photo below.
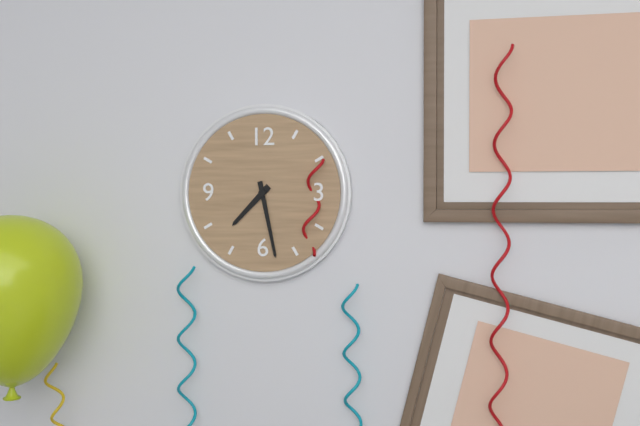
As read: 7:28
